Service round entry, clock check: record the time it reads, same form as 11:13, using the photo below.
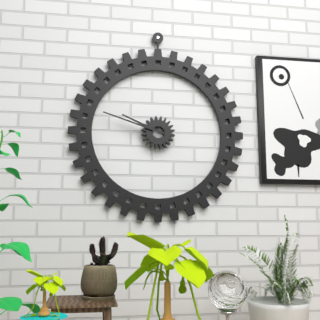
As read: 9:48
